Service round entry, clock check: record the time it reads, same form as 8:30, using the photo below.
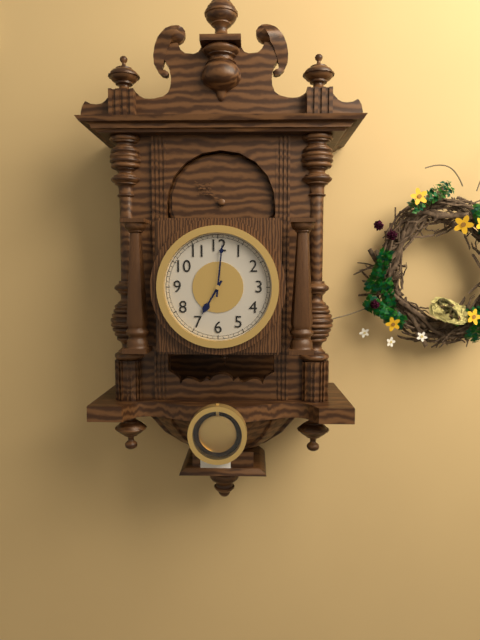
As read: 7:01
